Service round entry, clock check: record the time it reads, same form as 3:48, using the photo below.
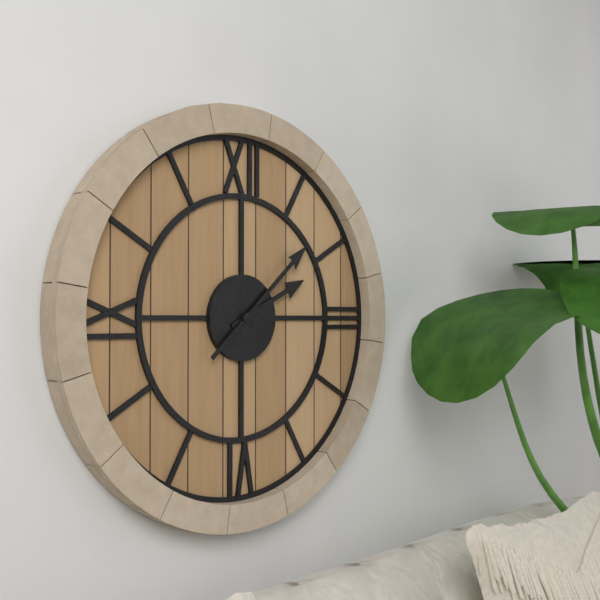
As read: 2:08
